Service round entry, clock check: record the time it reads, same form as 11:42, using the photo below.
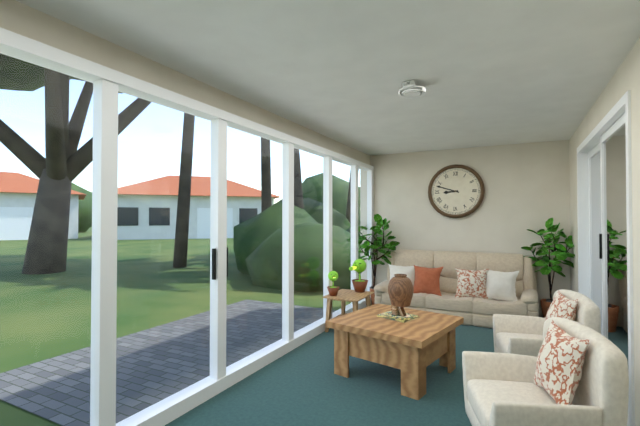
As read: 8:48
